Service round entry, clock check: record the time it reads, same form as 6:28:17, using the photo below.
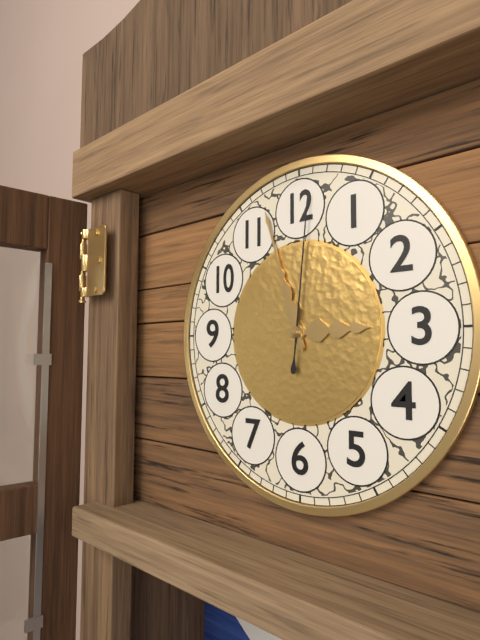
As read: 2:57:01
